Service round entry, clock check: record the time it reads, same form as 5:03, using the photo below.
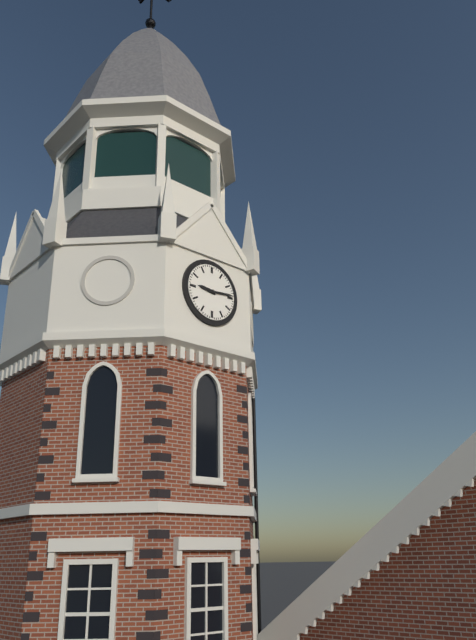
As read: 9:14
